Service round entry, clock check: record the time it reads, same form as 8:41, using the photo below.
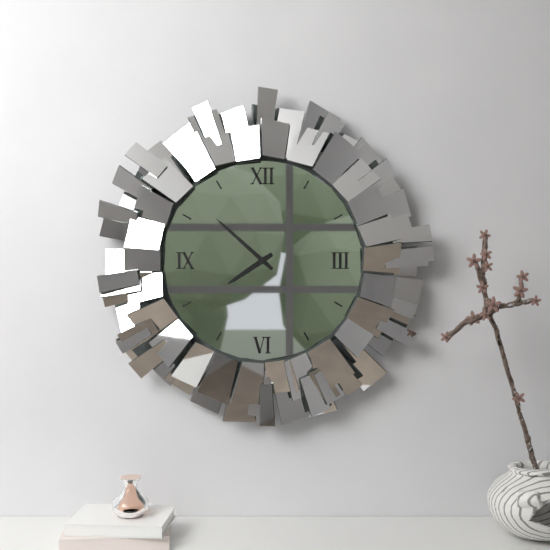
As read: 7:52
